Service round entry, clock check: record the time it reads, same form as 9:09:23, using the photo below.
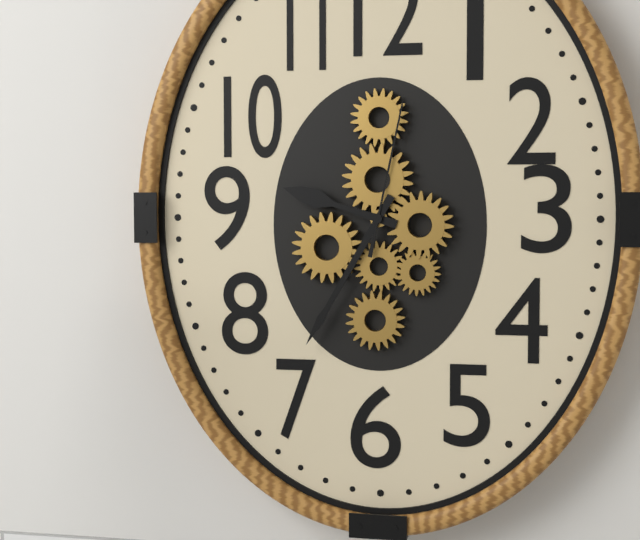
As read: 9:35:02
